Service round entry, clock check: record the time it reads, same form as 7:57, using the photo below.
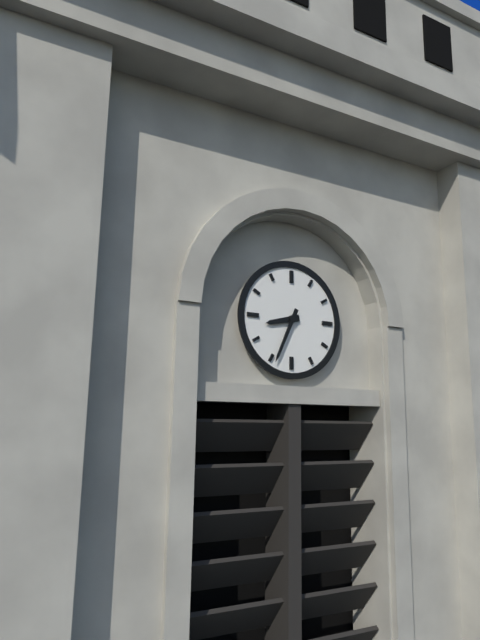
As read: 8:34
